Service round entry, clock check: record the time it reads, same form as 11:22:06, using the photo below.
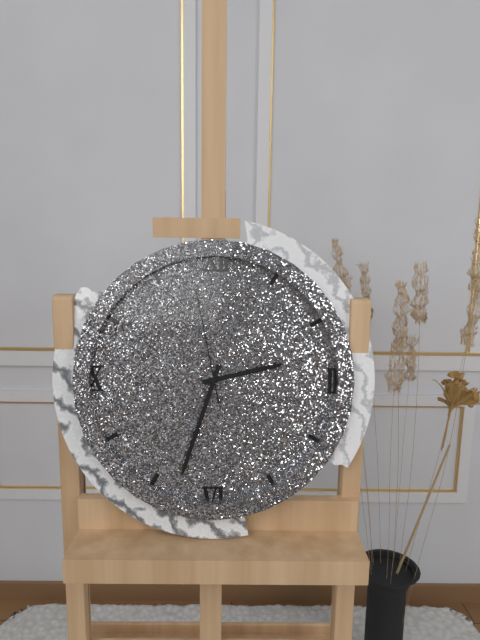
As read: 2:33:58
